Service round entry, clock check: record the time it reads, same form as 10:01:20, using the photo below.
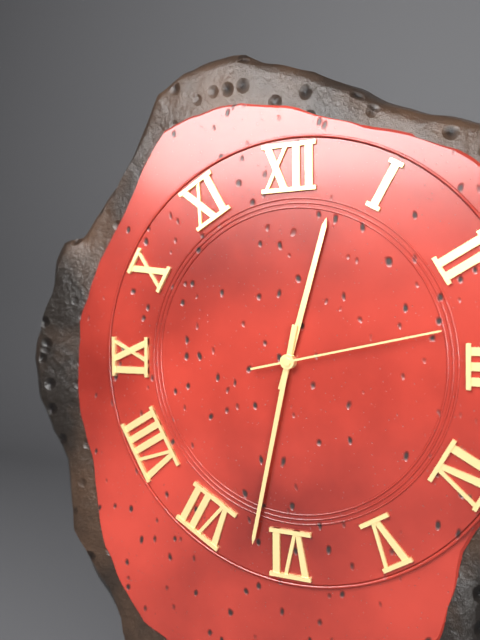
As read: 12:32:13
